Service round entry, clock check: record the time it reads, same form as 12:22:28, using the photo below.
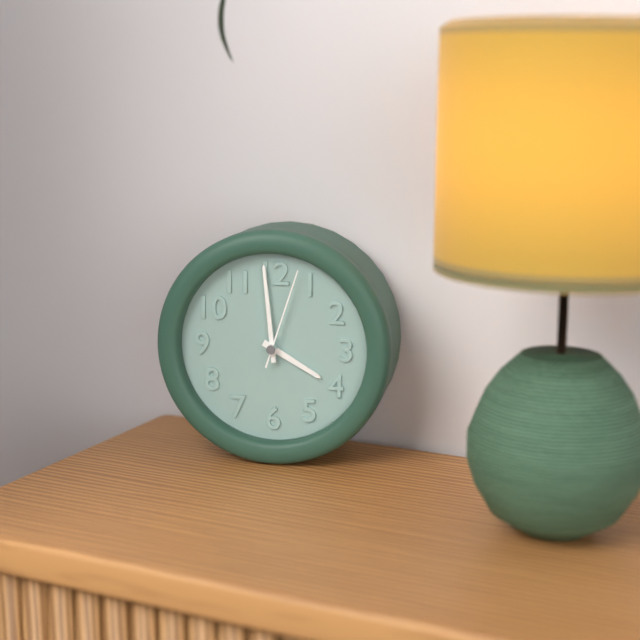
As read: 3:59:03
